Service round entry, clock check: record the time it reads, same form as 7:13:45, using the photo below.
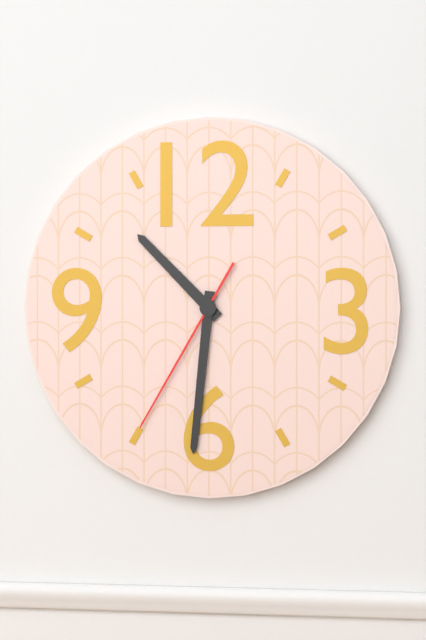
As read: 10:31:35
